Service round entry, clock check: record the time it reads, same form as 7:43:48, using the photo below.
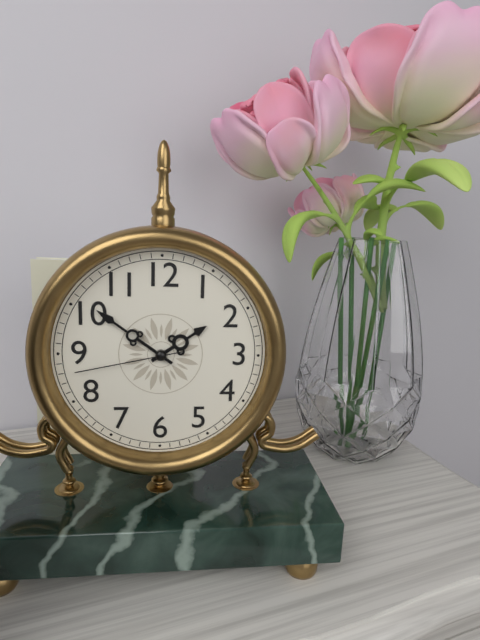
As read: 1:51:43
